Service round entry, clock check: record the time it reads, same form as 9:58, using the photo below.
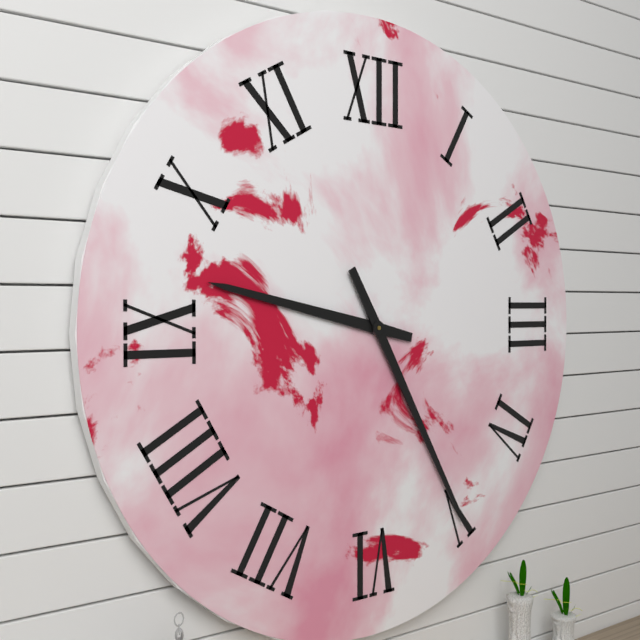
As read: 9:25
